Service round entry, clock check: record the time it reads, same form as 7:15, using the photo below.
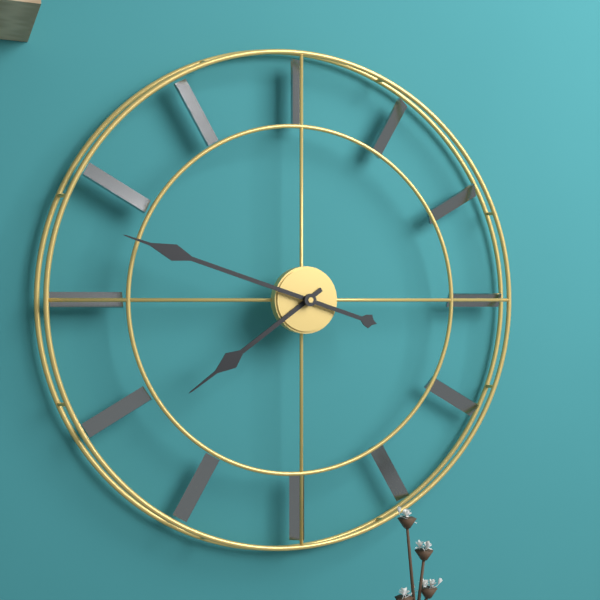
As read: 7:48
